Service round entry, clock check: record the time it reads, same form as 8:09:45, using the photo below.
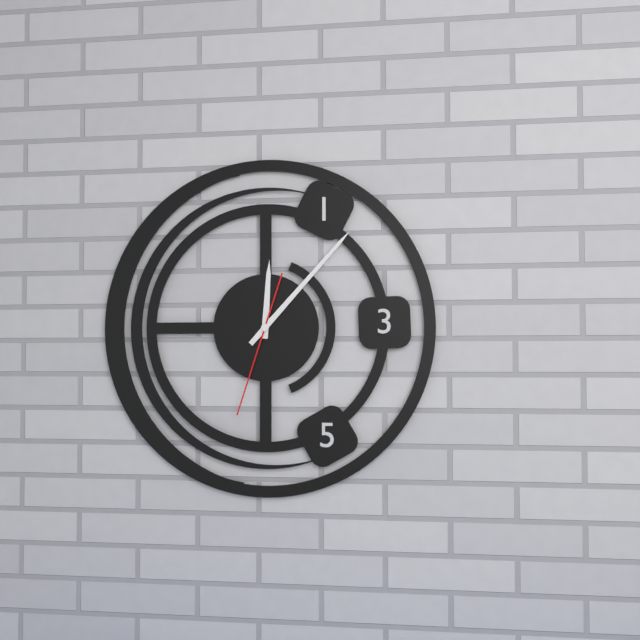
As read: 12:07:33
